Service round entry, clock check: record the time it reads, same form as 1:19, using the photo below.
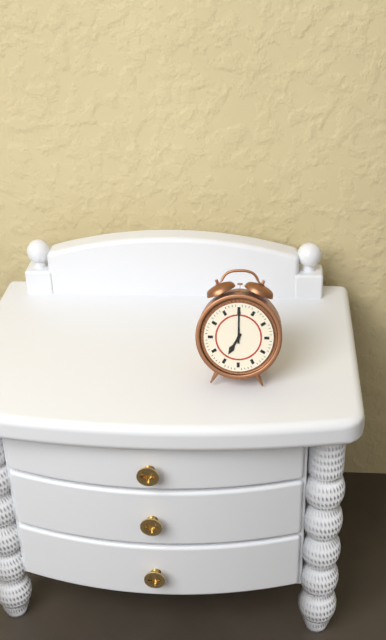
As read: 7:00
